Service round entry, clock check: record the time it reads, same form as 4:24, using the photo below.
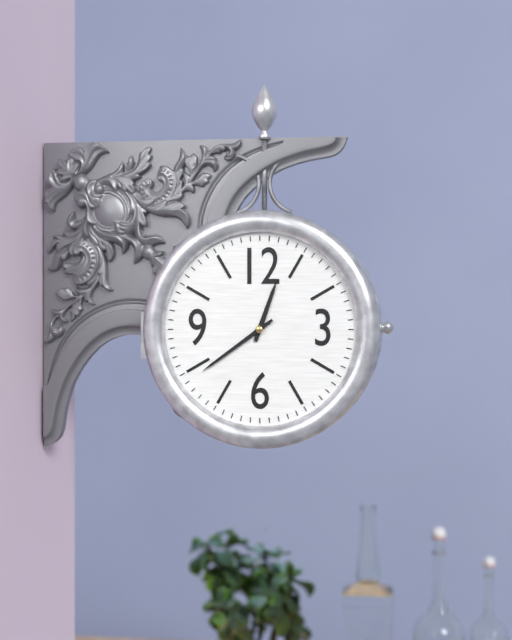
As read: 12:39
